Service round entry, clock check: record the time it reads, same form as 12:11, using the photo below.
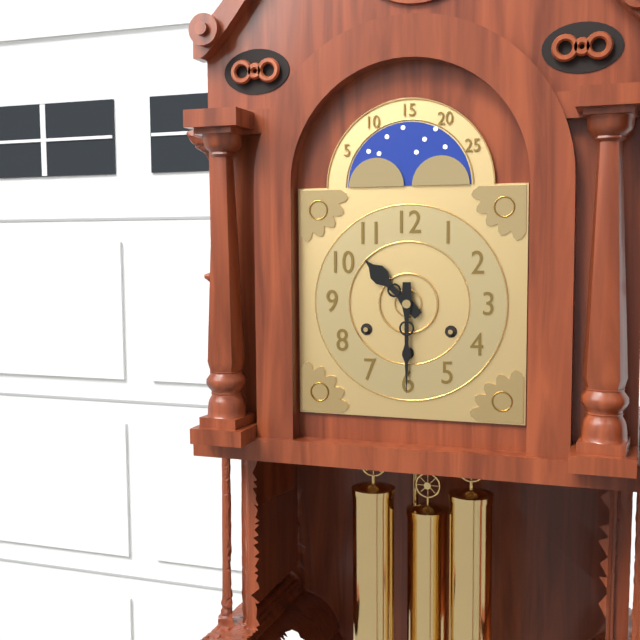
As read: 10:30
